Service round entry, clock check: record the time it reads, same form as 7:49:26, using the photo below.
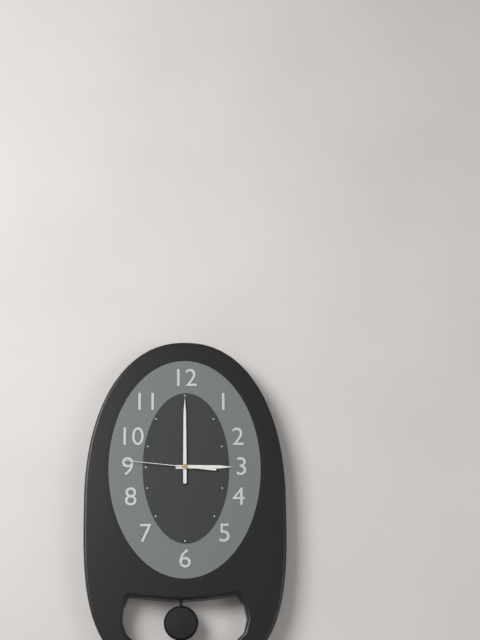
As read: 3:00:46
